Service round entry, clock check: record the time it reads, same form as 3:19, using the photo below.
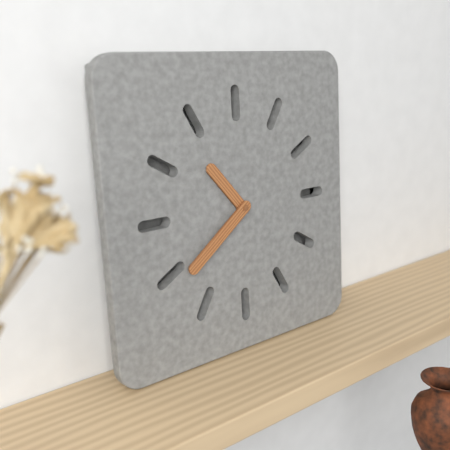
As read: 10:39
